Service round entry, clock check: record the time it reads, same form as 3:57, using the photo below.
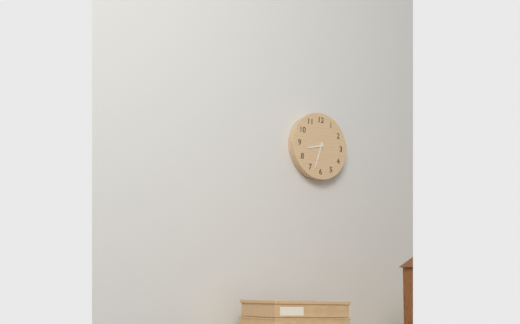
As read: 8:33
